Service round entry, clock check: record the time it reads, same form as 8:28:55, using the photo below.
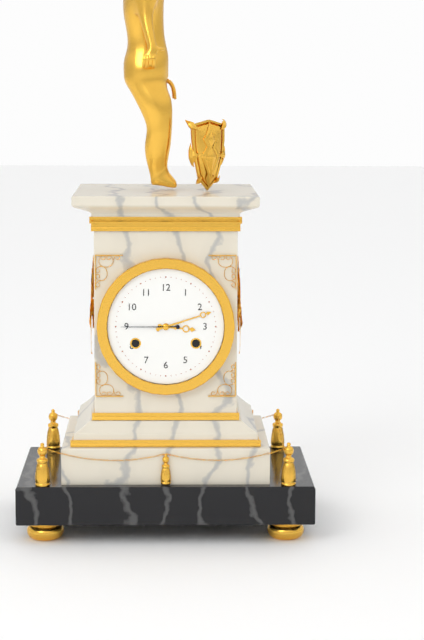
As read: 3:12:45
